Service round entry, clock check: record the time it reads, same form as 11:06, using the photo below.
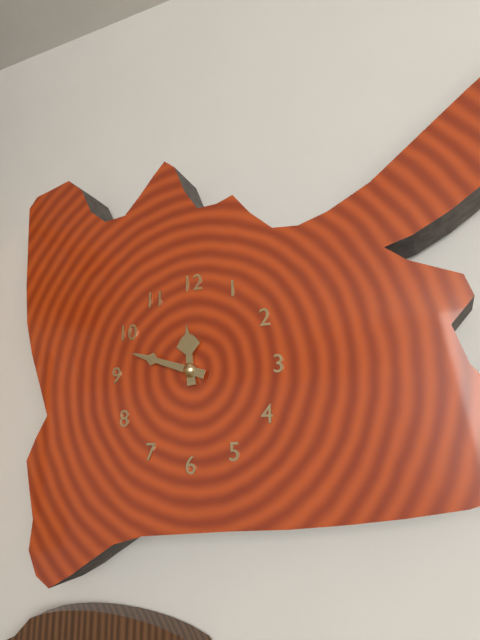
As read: 11:48
